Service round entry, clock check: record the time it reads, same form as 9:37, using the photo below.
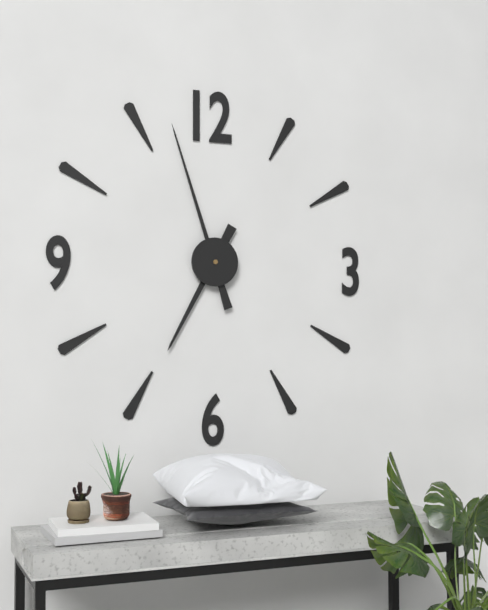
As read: 6:57
